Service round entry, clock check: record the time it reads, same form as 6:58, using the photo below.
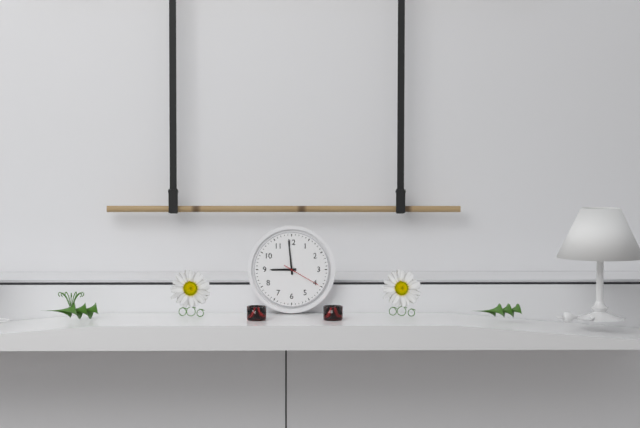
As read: 8:59
